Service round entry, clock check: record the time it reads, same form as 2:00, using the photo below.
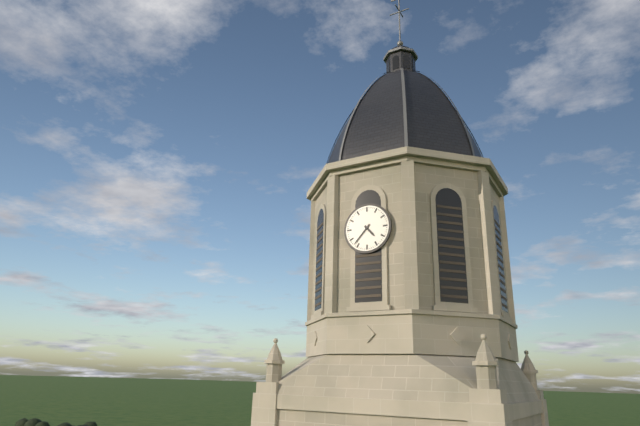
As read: 4:37
